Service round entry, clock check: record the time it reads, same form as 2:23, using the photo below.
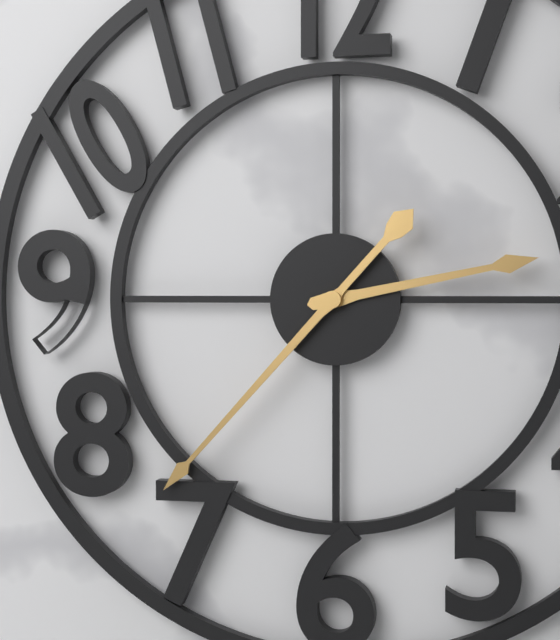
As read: 2:37
